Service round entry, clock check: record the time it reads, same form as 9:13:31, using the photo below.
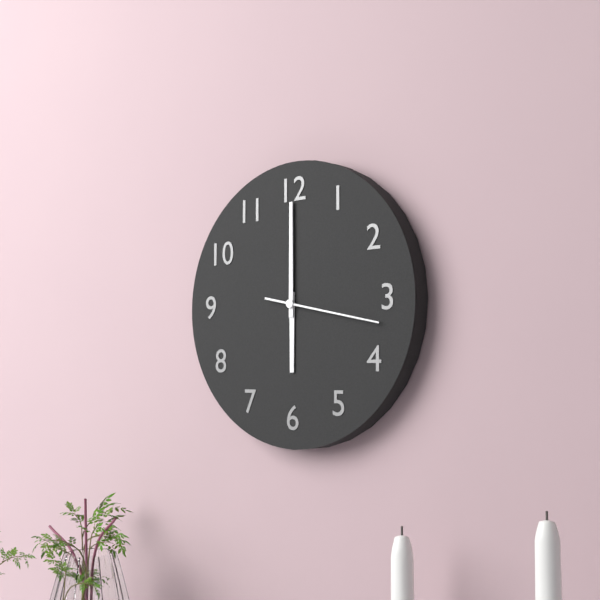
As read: 6:00:17
